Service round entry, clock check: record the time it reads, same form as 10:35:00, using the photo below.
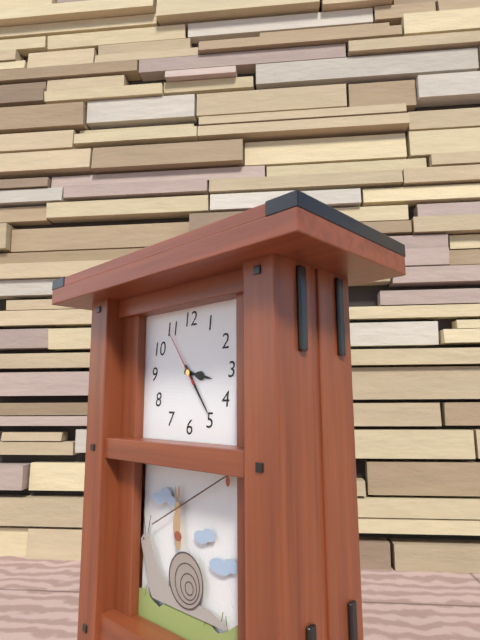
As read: 3:24:54
